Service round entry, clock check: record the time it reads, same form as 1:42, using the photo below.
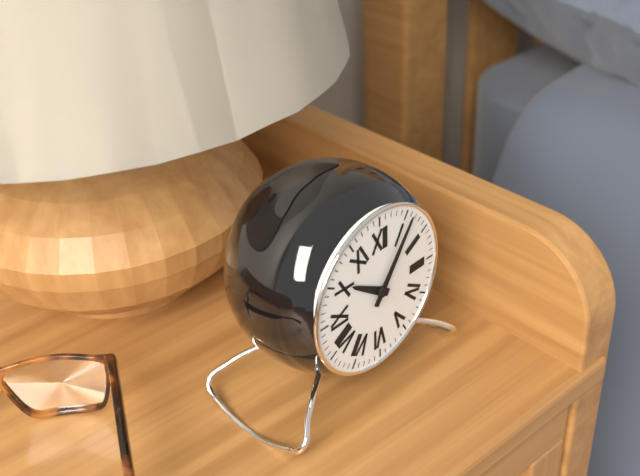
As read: 10:06
